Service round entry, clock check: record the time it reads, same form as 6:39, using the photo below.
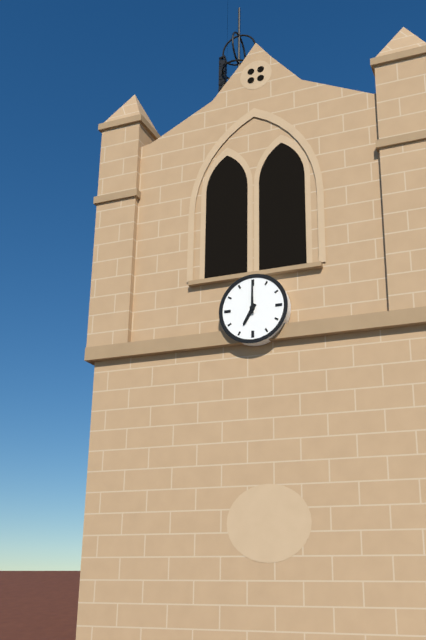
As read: 7:00
